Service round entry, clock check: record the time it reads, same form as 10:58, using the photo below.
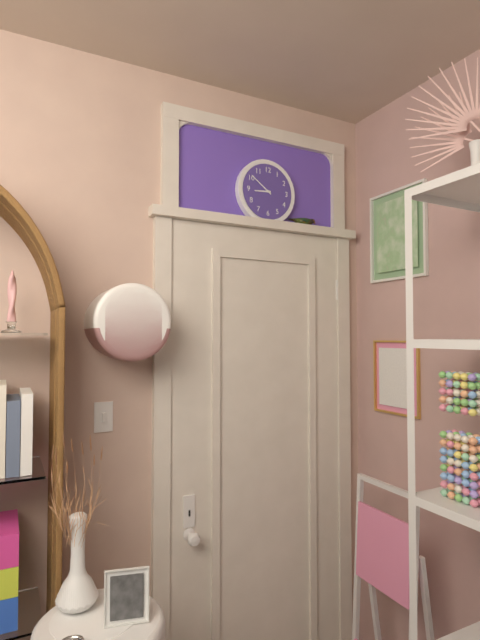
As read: 8:51
